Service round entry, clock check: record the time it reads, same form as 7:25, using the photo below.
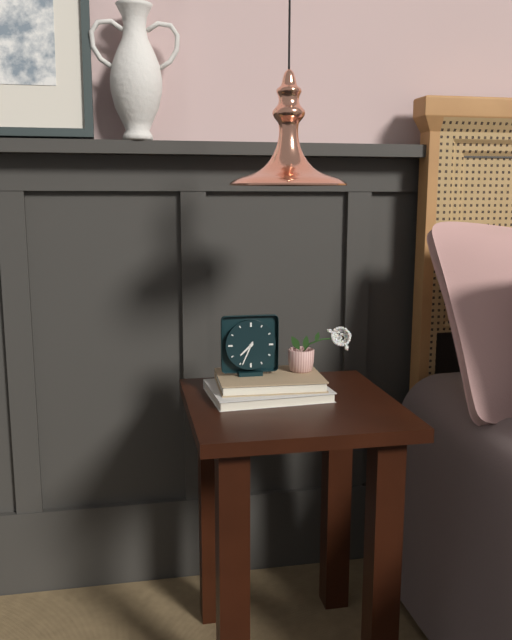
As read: 7:34
